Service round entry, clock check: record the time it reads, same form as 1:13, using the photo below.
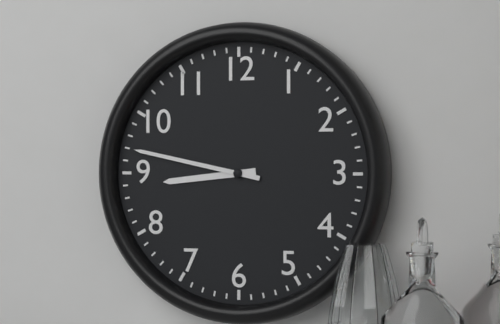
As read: 8:47
